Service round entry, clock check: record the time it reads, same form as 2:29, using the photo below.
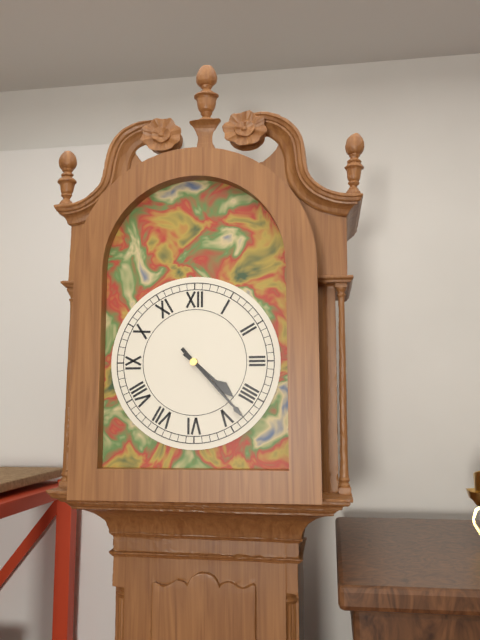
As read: 4:23
